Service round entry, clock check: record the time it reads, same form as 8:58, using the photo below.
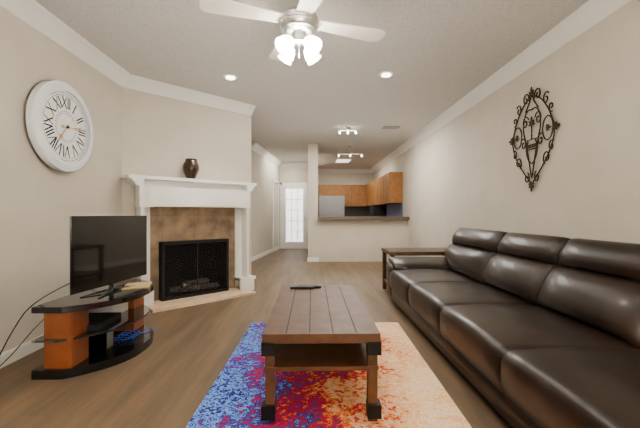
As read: 7:14
